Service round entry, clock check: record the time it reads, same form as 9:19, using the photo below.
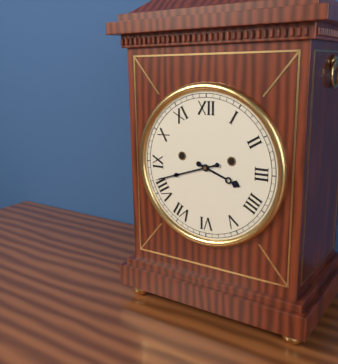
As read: 3:42
